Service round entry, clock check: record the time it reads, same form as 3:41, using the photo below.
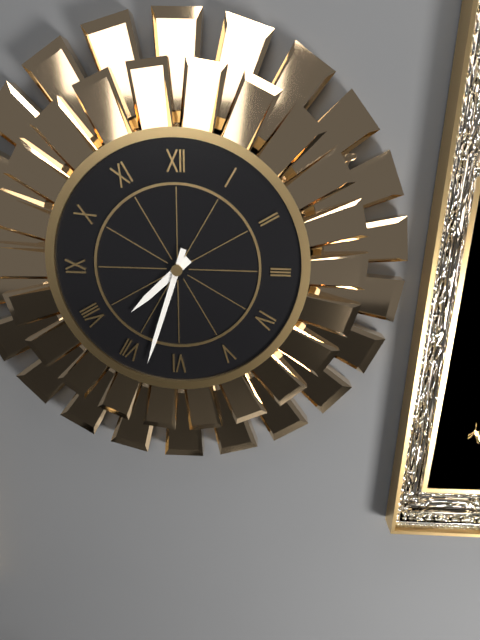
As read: 7:33
